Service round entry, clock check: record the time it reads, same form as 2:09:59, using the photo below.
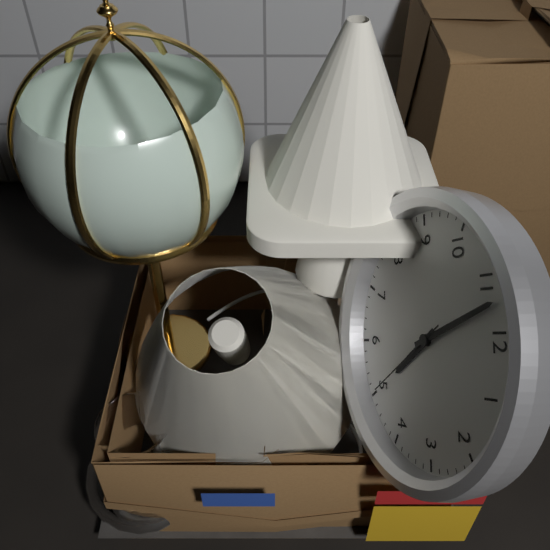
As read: 4:57:25
